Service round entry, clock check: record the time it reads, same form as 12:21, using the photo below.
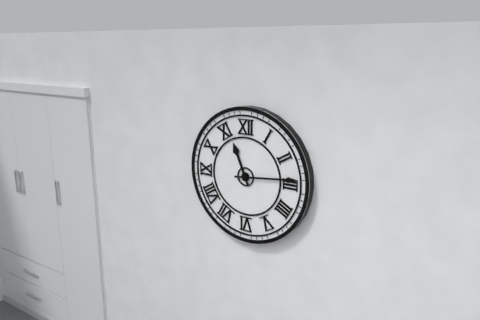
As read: 11:14
